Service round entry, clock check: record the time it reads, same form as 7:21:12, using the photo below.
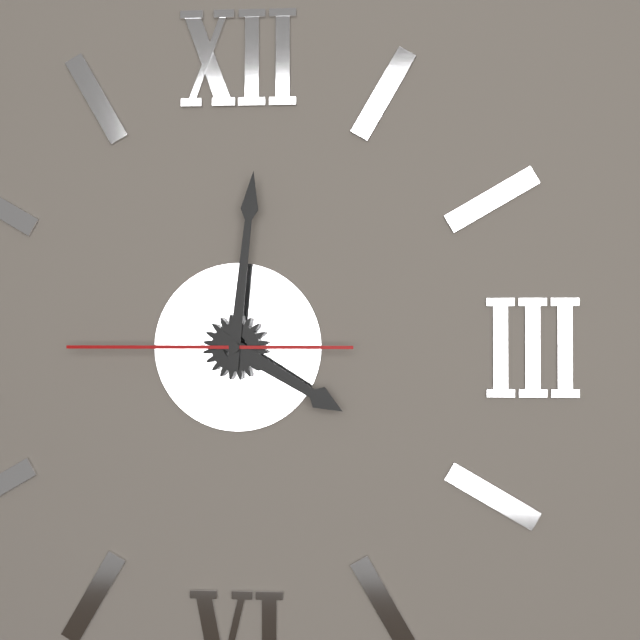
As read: 4:01:45
